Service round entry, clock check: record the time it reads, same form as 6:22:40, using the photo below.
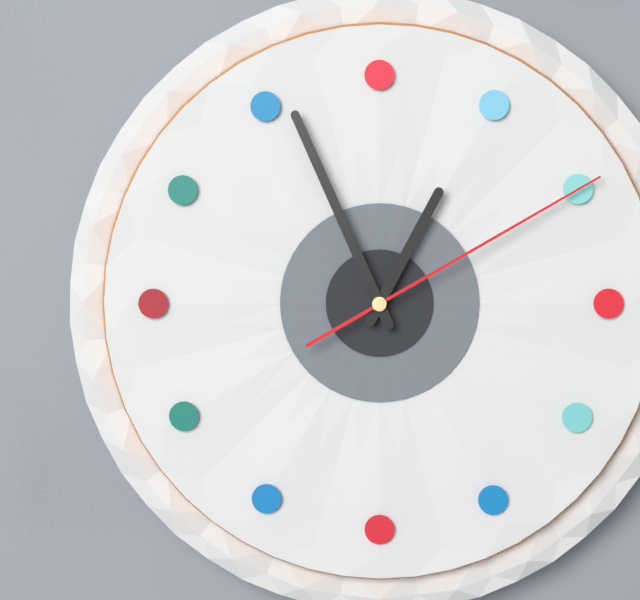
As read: 12:56:10
